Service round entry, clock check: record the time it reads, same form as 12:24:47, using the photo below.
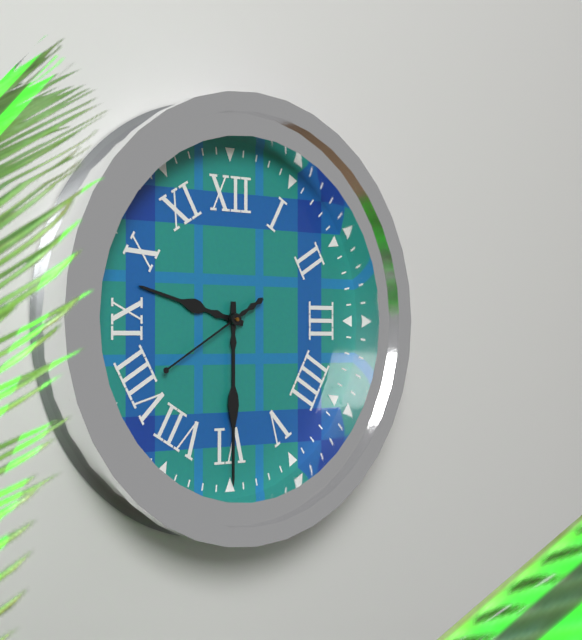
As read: 9:30:40
